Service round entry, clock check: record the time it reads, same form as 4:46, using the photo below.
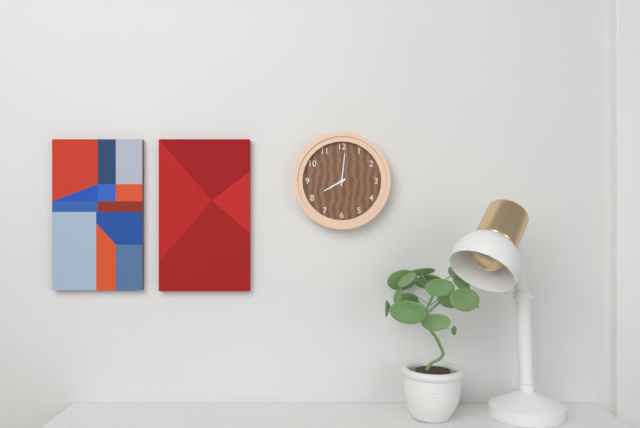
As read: 8:01
